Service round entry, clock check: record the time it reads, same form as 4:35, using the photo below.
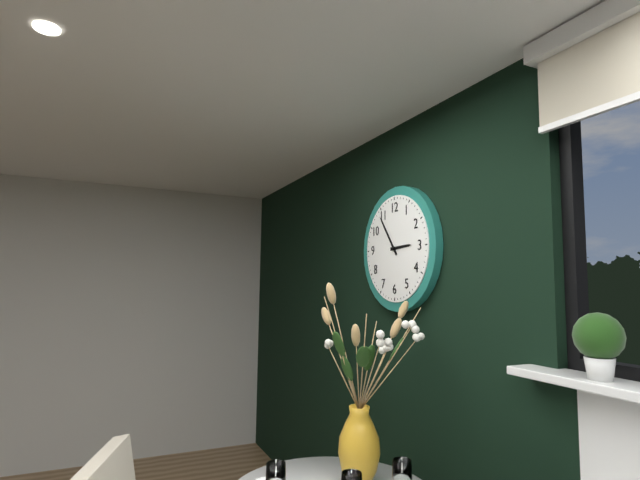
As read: 2:54
